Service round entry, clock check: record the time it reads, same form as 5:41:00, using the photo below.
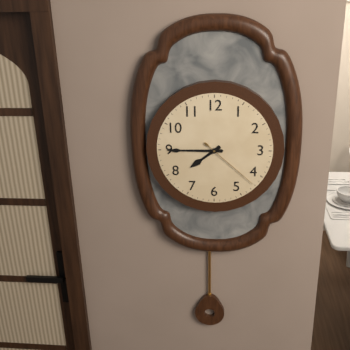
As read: 7:45:22
